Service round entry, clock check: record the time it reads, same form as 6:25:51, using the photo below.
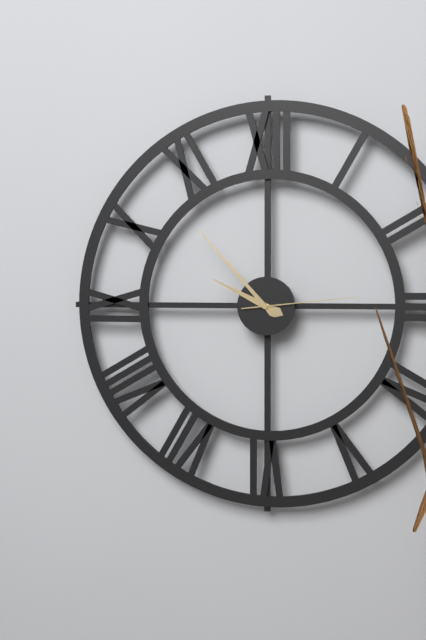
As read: 9:53:14
